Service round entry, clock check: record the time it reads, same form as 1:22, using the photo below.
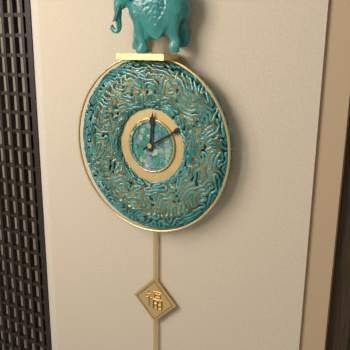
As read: 12:10
